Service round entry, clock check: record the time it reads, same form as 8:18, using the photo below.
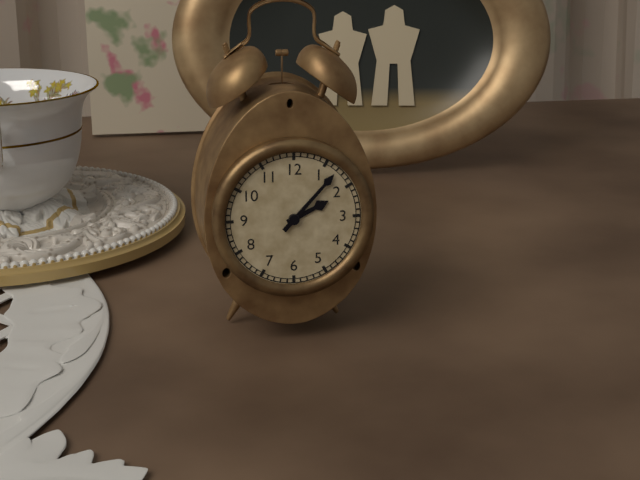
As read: 2:07
